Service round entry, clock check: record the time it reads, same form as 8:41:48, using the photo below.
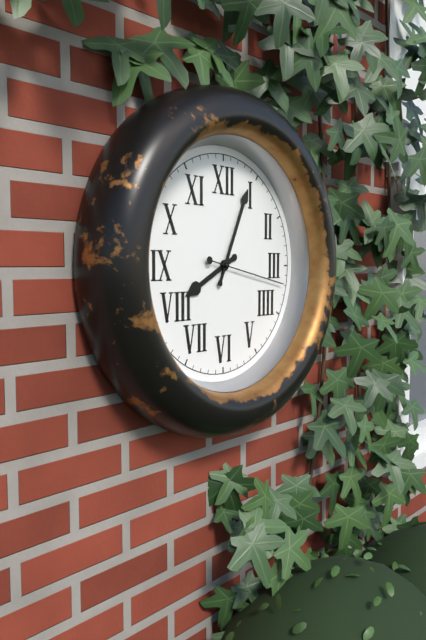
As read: 8:04:17
